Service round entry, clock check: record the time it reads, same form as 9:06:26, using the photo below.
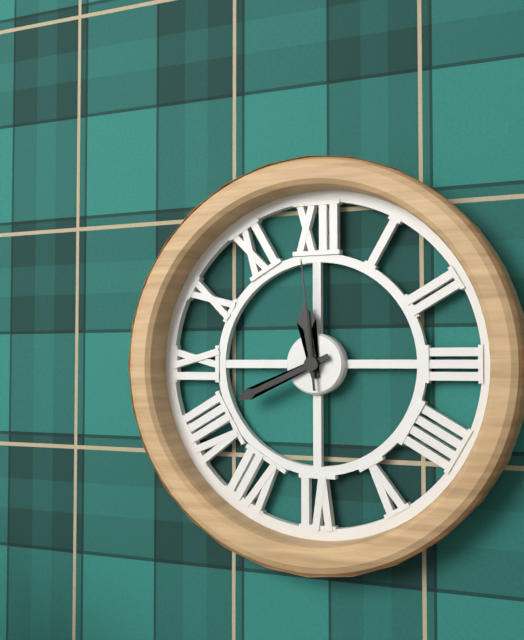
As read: 11:41:59
